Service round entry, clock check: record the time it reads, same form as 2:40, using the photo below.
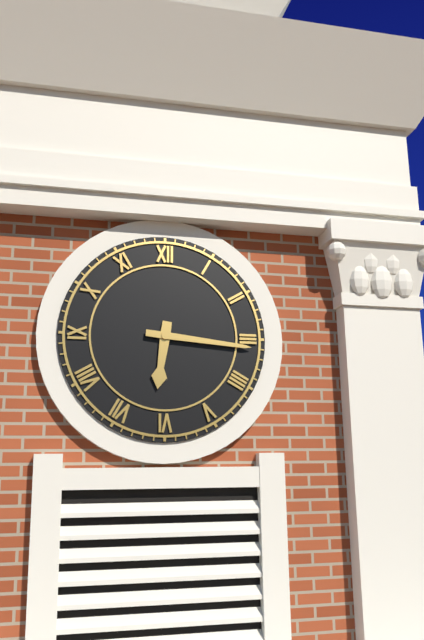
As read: 6:16
